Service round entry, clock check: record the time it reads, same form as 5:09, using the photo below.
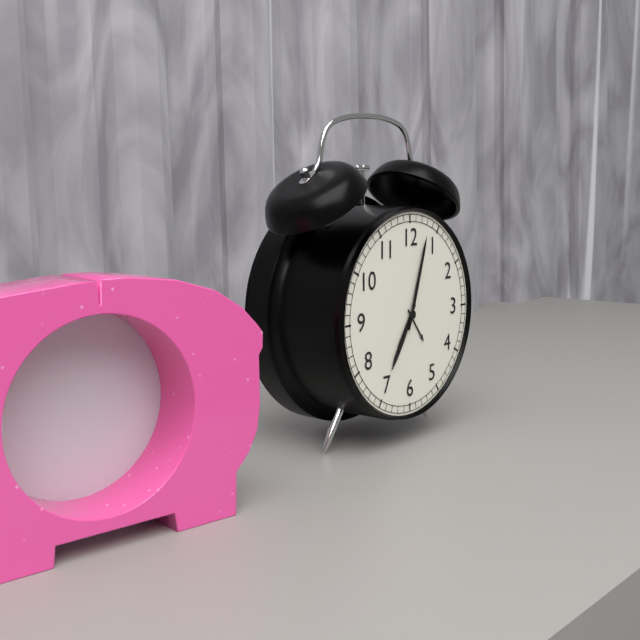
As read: 7:03
